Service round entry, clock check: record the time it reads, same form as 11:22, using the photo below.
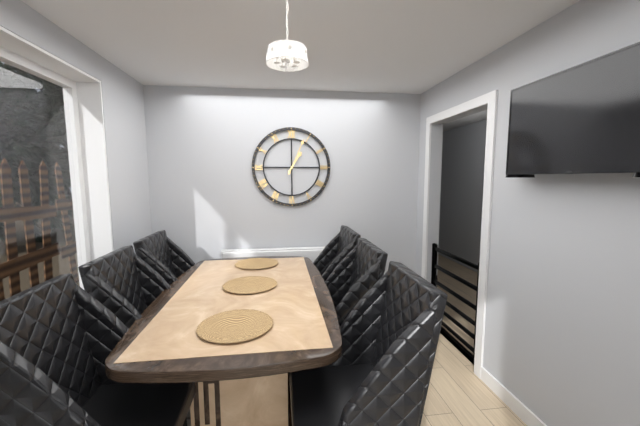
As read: 1:04
